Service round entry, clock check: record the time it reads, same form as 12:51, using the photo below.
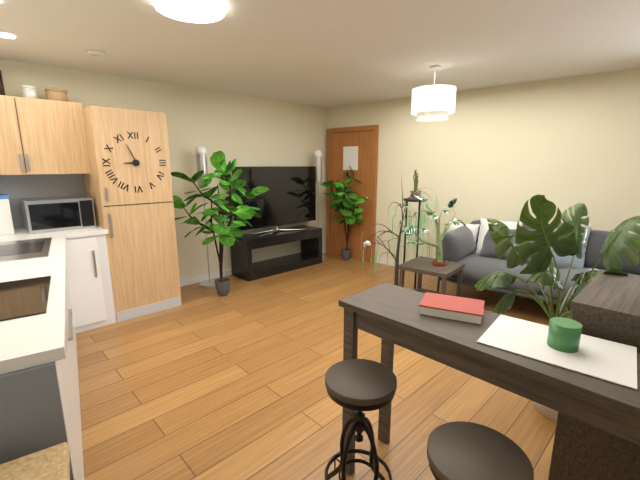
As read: 8:56
